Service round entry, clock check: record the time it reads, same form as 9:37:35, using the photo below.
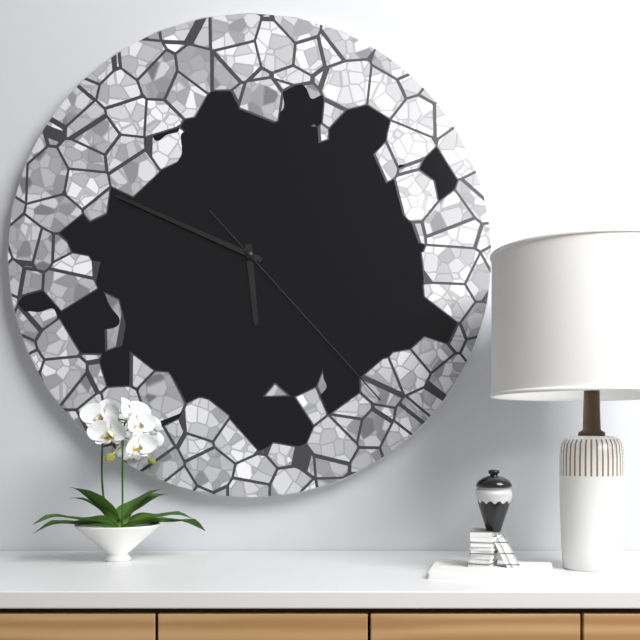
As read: 5:49:23
